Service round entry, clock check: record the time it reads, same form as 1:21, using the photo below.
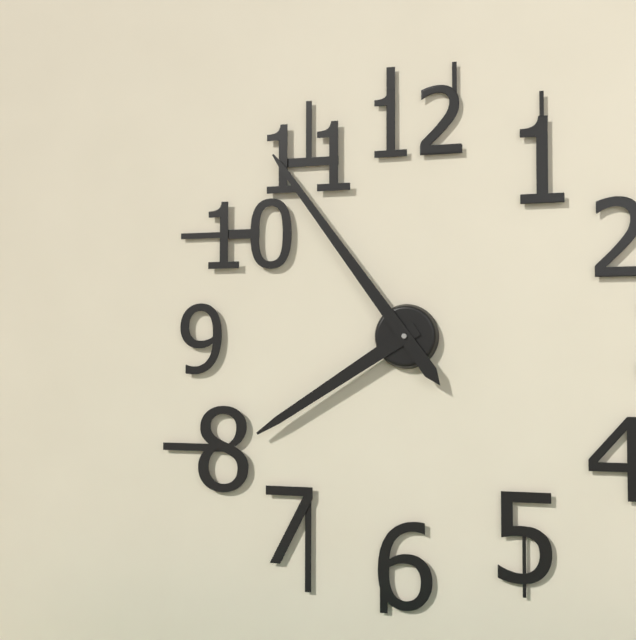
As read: 7:54
